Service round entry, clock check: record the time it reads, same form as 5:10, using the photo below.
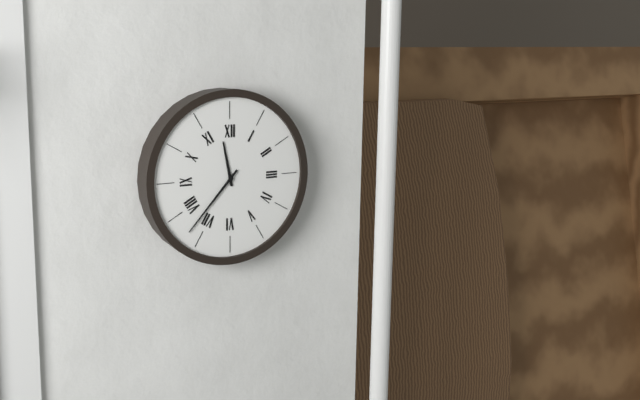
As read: 11:37
